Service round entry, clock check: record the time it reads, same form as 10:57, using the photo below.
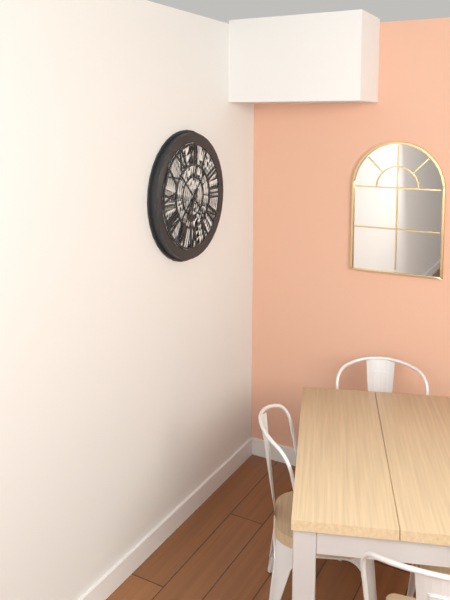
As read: 6:36
